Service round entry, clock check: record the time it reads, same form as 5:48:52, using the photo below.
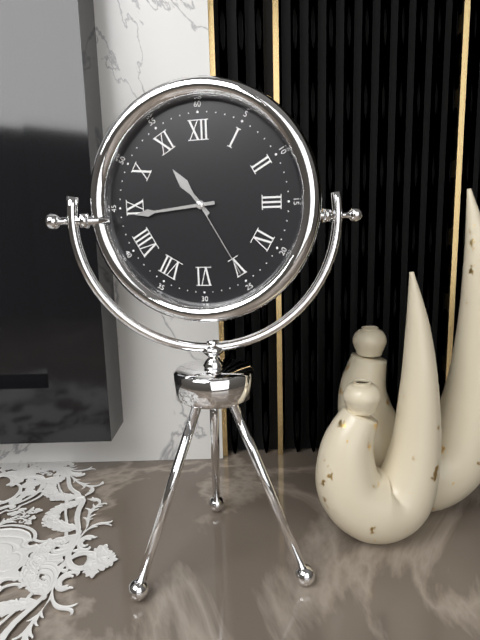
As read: 10:44:25
